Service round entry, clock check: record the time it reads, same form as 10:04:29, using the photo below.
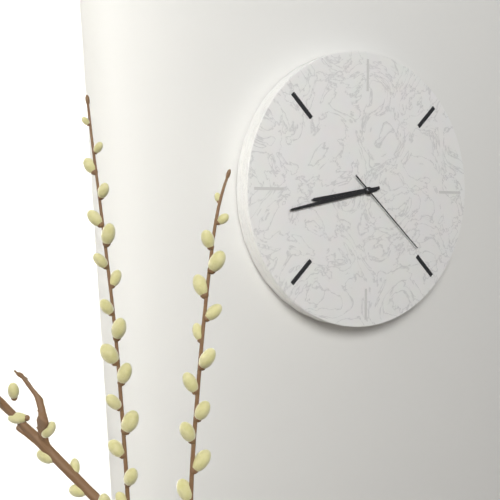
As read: 8:43:22
